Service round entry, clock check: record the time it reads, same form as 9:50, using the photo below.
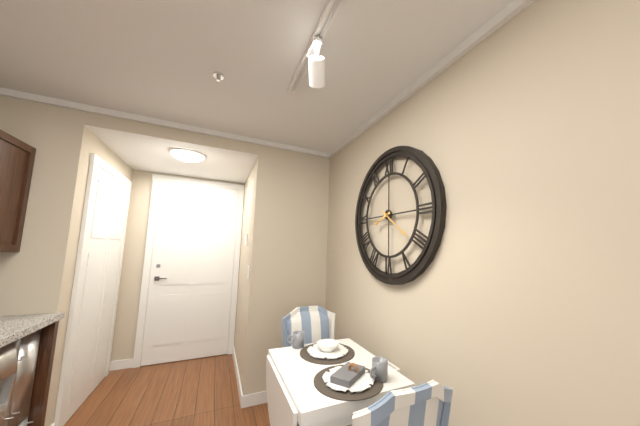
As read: 8:21
